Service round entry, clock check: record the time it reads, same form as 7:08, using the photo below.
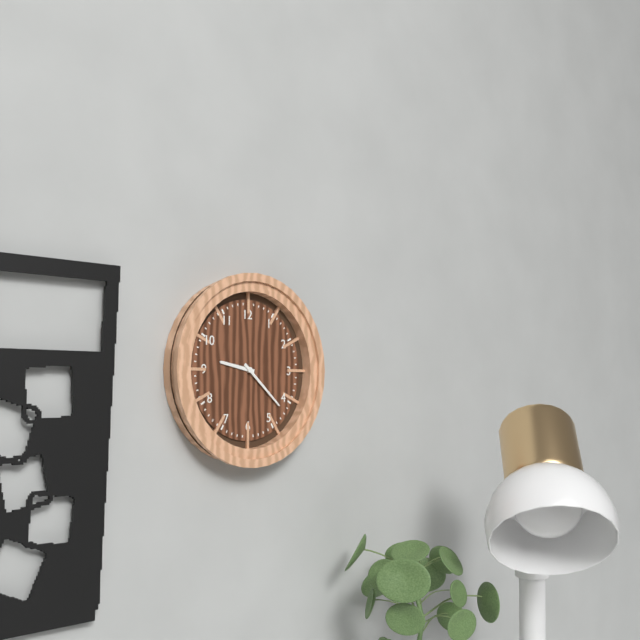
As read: 9:22
